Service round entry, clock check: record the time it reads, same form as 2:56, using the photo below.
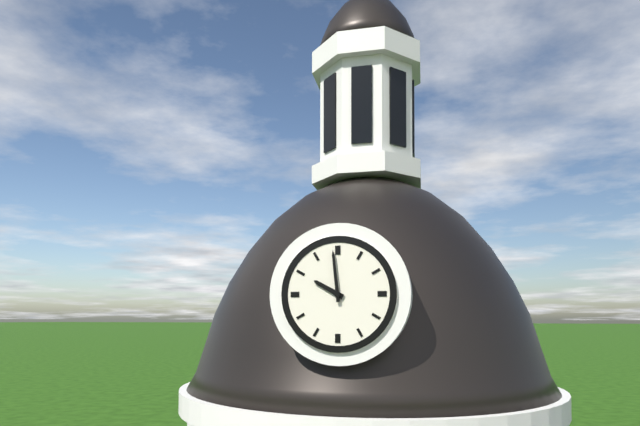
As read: 9:59
